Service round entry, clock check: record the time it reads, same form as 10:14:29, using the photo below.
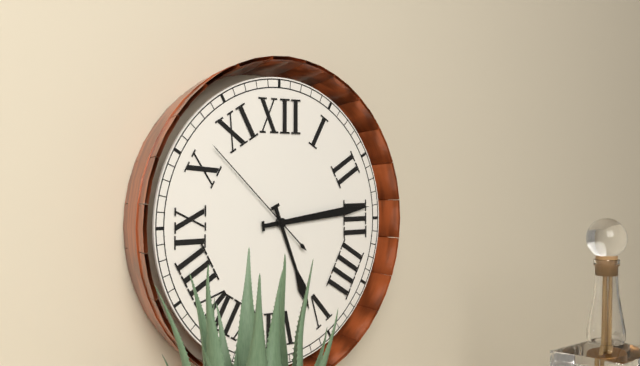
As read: 5:14:52
